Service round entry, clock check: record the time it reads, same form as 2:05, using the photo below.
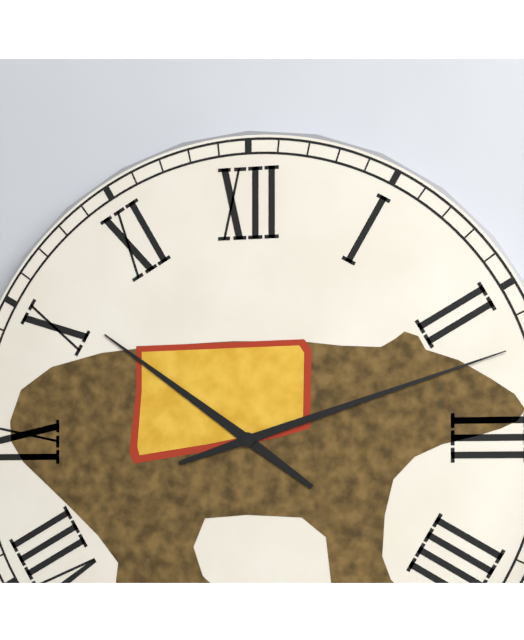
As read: 10:12
